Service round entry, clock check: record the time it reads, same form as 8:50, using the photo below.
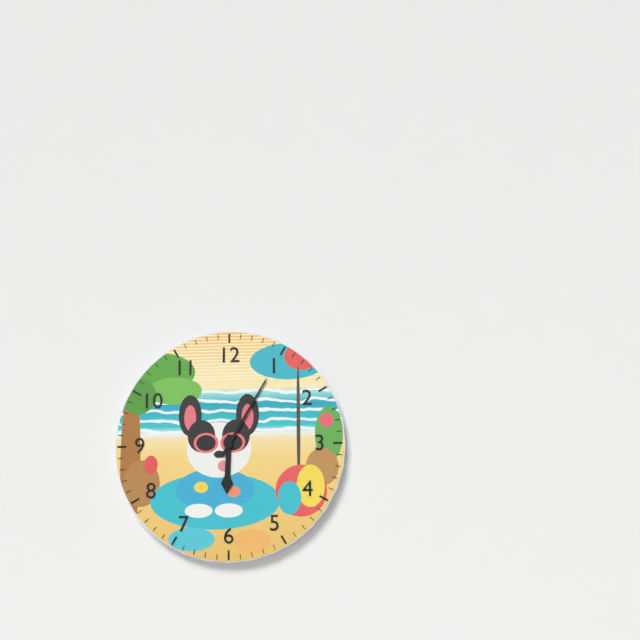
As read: 6:05
